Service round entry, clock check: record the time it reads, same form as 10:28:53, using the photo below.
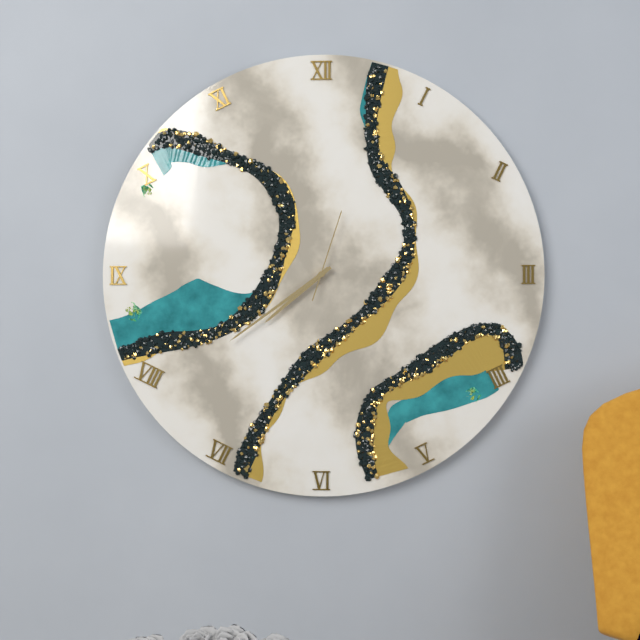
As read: 7:39:03
